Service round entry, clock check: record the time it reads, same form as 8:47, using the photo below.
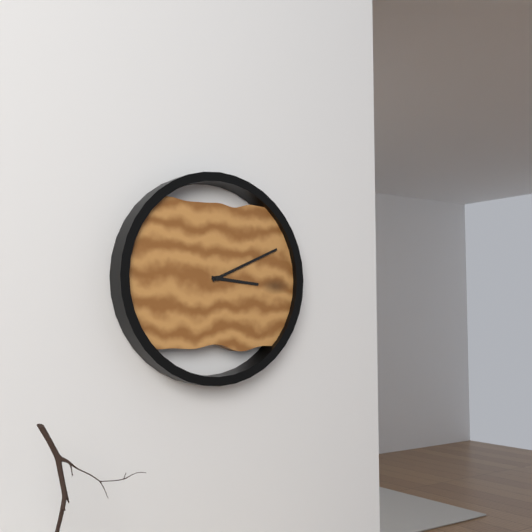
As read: 3:11
